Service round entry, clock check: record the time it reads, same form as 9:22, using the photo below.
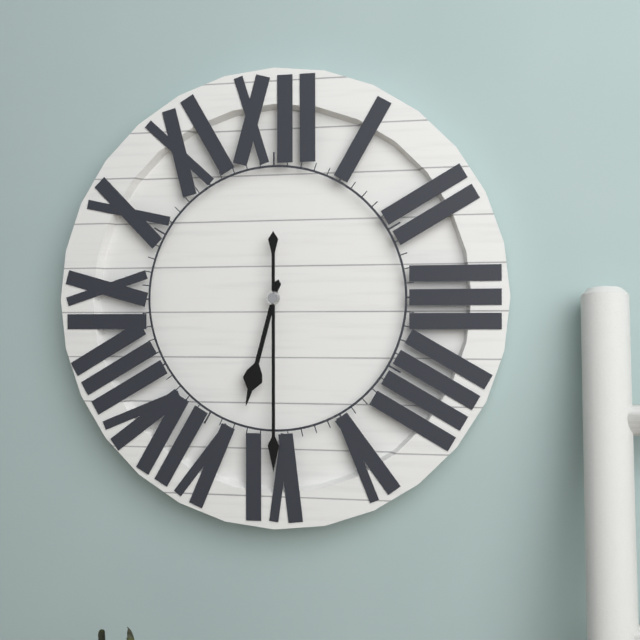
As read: 6:30
